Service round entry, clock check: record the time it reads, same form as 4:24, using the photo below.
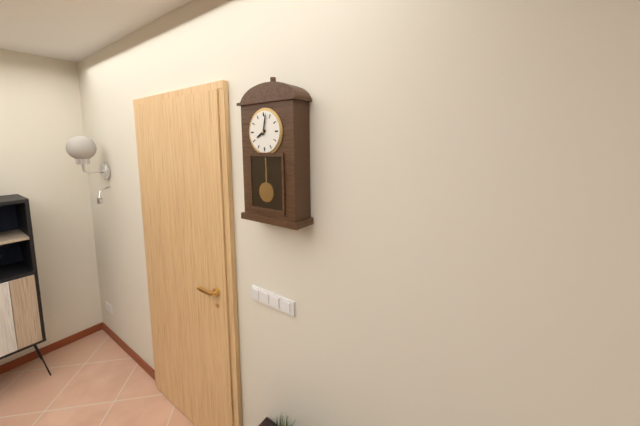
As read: 8:02
